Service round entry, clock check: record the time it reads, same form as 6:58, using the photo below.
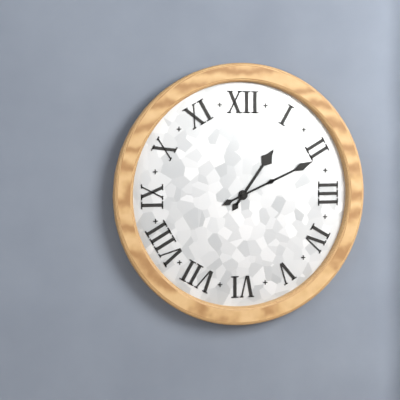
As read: 1:11
